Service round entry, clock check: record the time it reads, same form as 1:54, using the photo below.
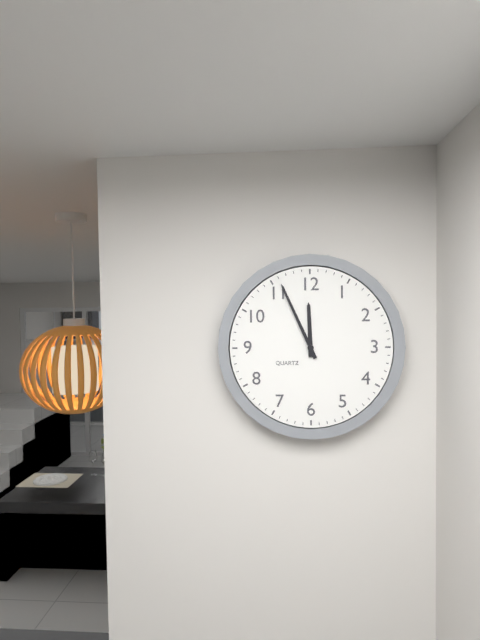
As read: 11:56
